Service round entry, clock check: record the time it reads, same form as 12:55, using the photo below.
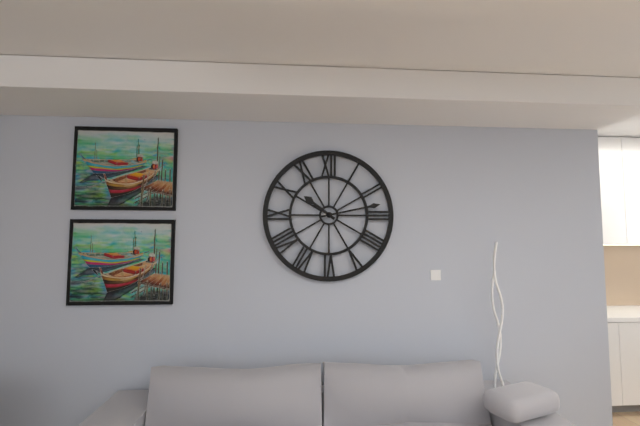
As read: 10:13
